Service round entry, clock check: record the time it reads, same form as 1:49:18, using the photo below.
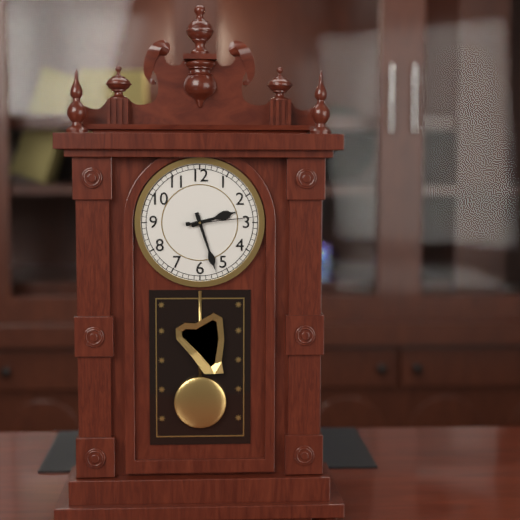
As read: 2:27:14
